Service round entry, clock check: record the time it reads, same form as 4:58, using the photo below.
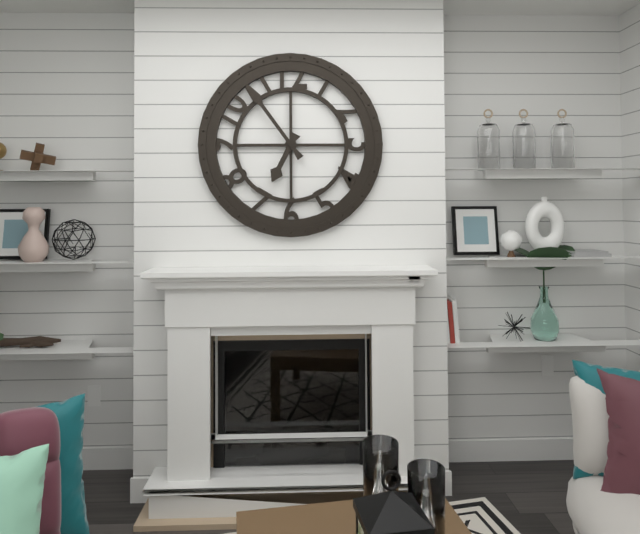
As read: 6:54
